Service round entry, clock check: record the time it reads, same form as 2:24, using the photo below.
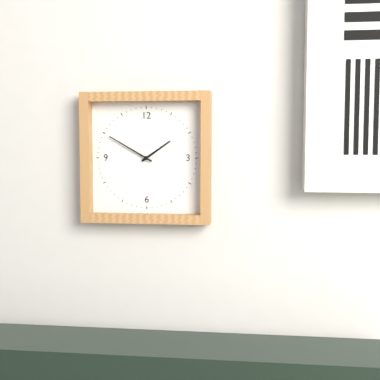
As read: 1:50
